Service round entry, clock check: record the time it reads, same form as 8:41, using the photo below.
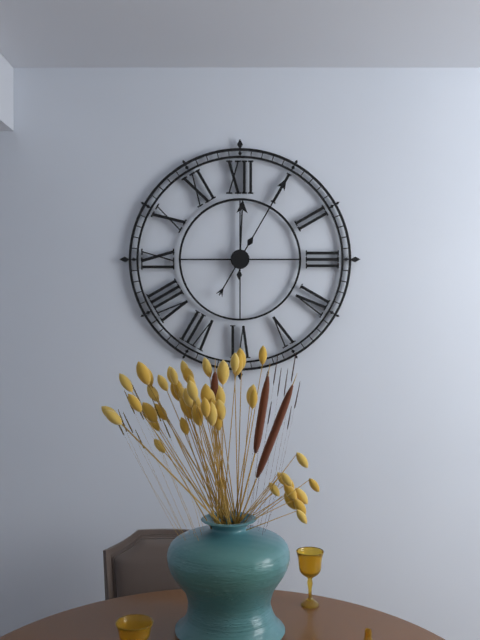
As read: 12:05
